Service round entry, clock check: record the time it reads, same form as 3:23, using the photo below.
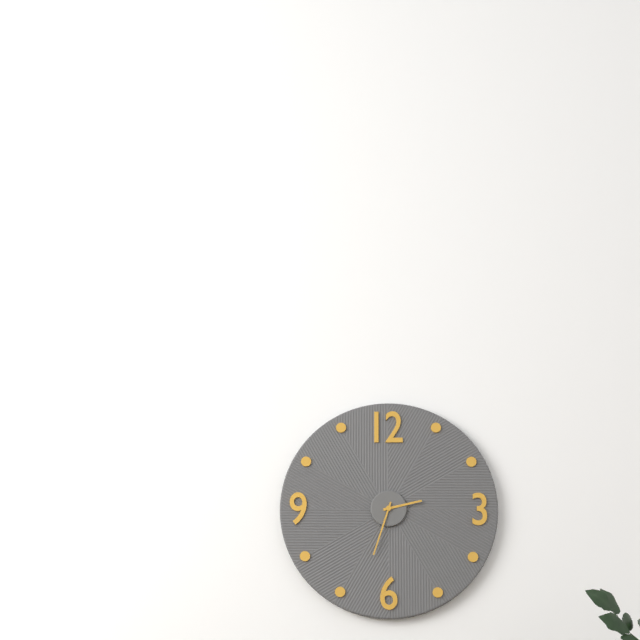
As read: 2:33
